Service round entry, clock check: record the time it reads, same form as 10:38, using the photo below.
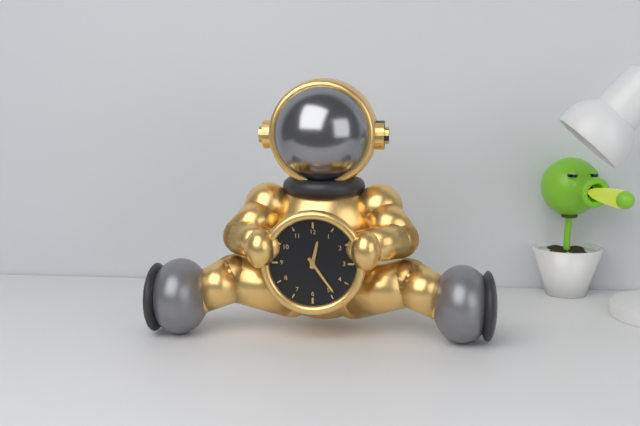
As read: 12:24
